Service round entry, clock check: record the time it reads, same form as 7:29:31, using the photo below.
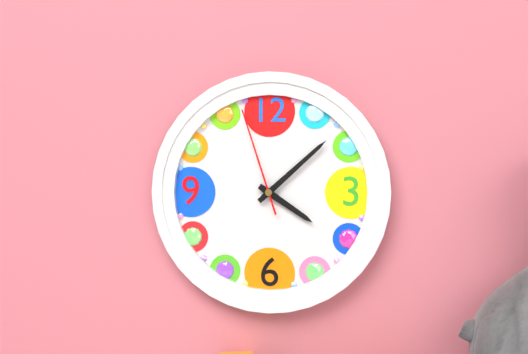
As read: 4:08:57
